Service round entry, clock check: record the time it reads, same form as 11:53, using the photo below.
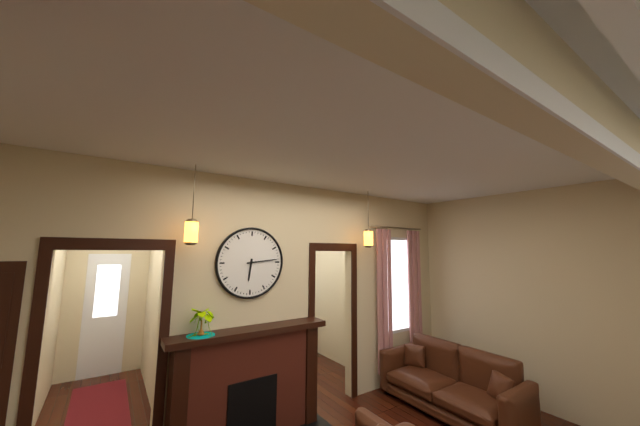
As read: 6:14
